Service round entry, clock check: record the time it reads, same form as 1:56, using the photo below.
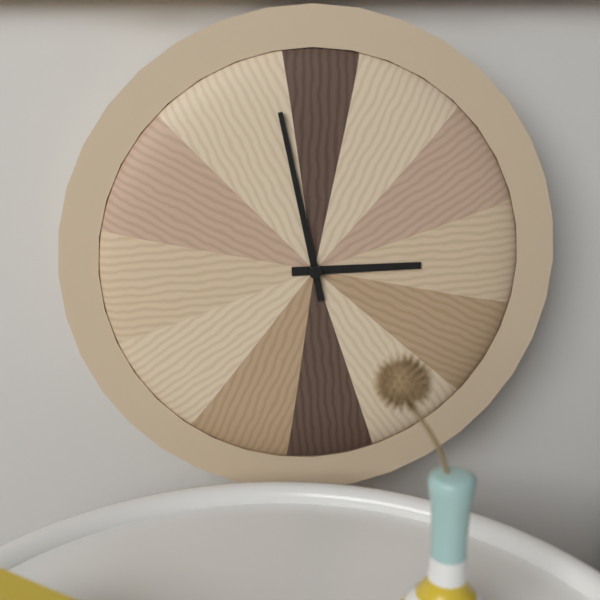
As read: 2:58
